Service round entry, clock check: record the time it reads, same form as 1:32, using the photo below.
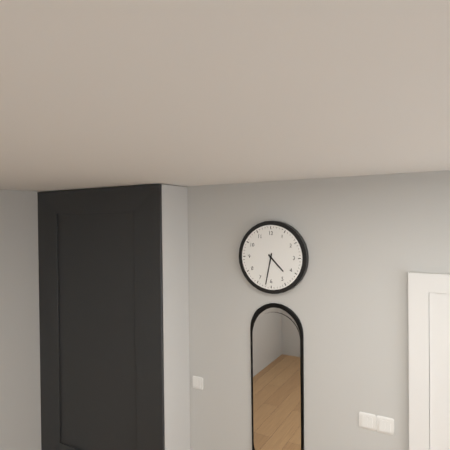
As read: 4:32
